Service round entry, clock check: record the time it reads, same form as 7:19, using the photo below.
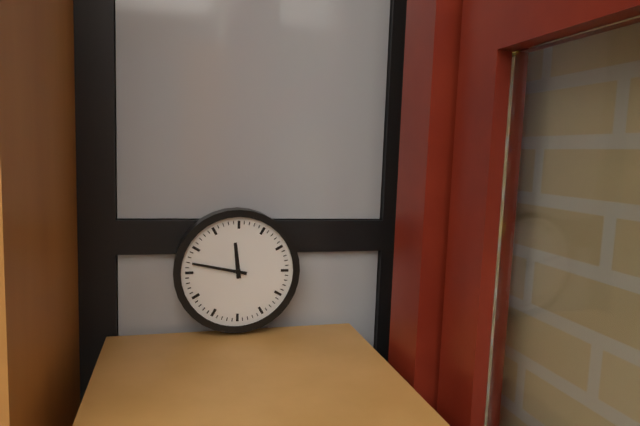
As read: 11:47
